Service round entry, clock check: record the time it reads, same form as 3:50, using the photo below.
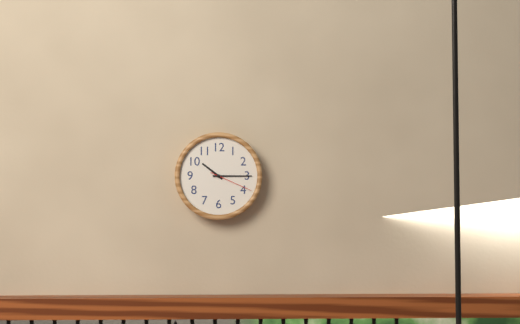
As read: 10:15
